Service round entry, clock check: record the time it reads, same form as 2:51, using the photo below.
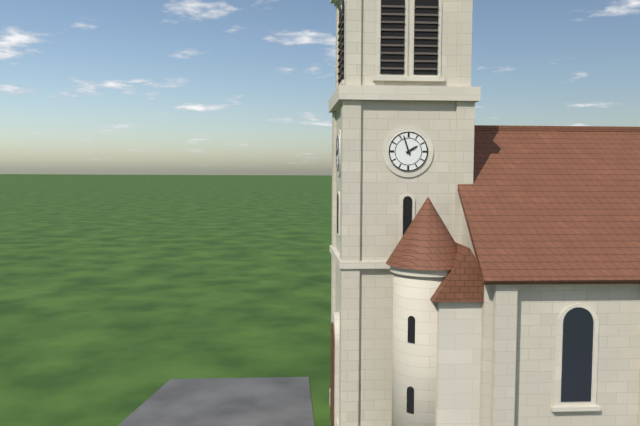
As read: 1:57
